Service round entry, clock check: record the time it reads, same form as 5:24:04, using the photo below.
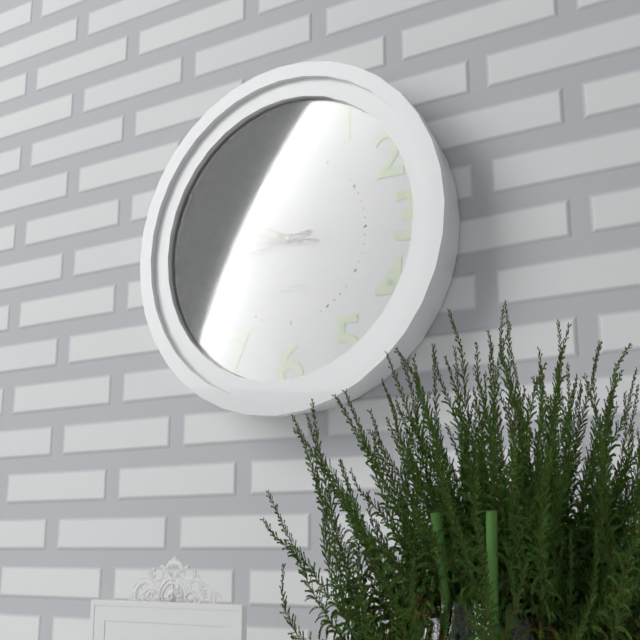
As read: 9:44:47
